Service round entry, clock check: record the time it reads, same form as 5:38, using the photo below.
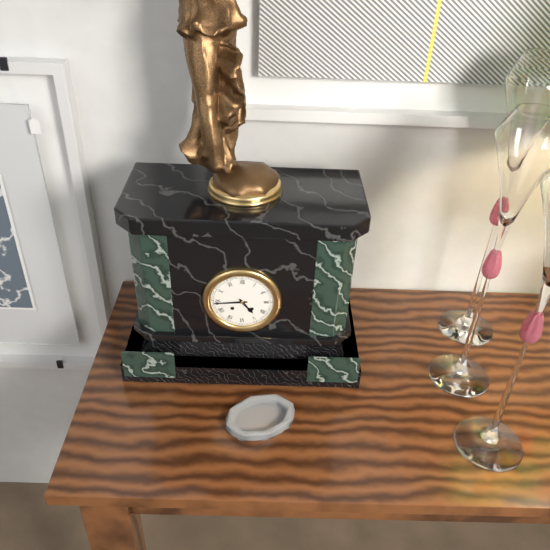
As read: 4:44
